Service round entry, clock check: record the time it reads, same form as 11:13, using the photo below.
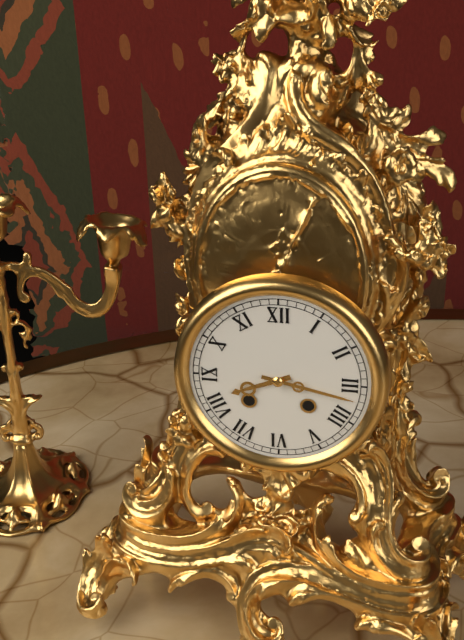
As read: 8:17
